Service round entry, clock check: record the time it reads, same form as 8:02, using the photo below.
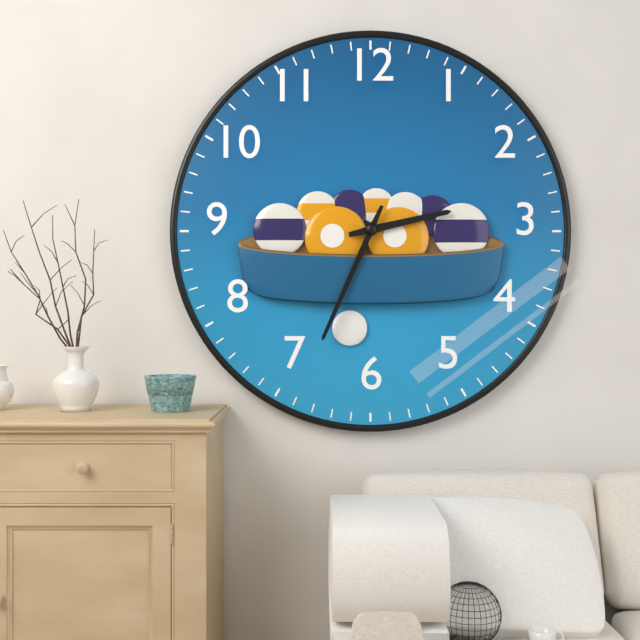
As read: 2:34
